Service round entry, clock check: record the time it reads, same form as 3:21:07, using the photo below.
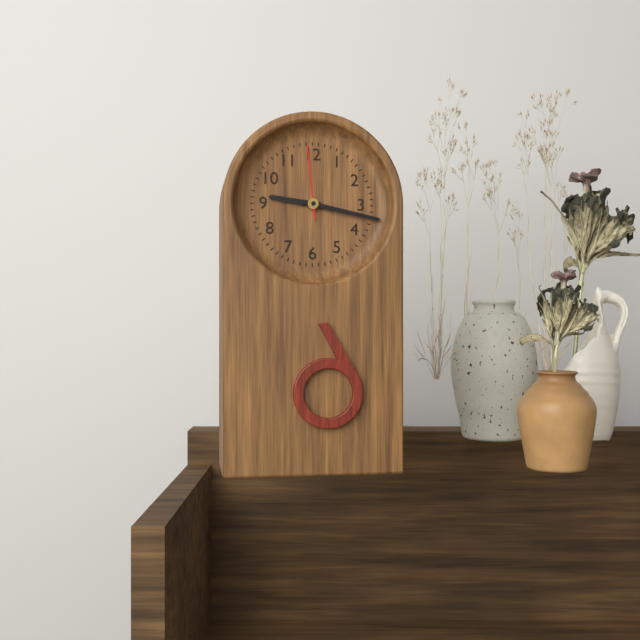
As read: 9:17:59
